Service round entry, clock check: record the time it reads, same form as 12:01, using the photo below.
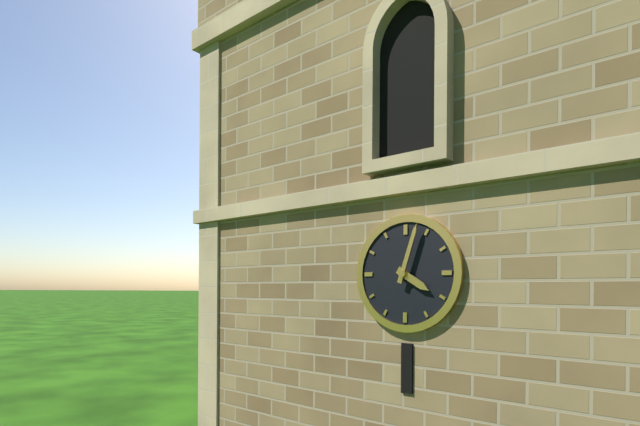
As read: 4:03
